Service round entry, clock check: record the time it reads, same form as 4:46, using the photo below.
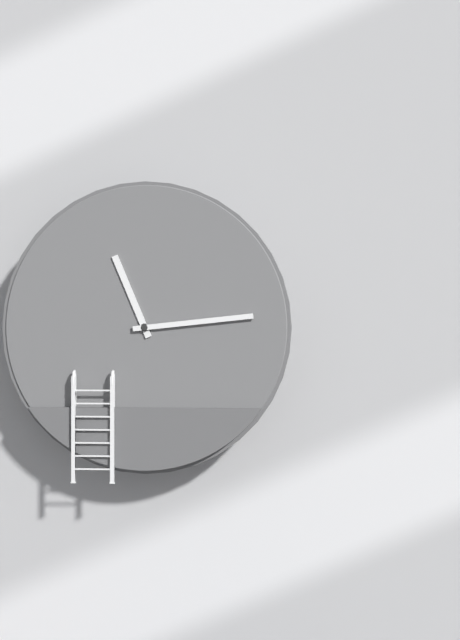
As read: 11:14
